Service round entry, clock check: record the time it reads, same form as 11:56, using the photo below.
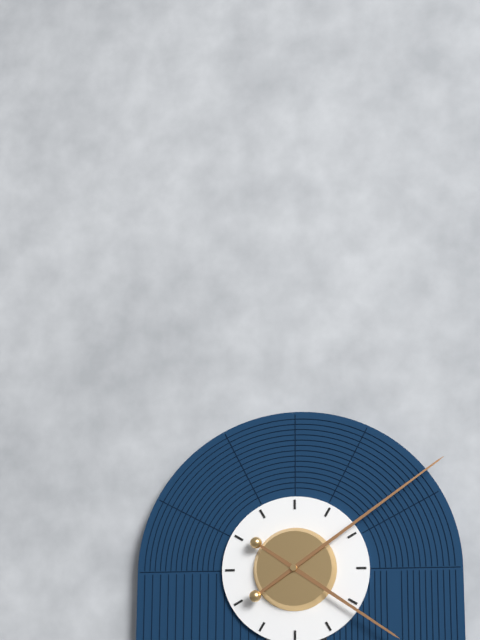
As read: 4:09
